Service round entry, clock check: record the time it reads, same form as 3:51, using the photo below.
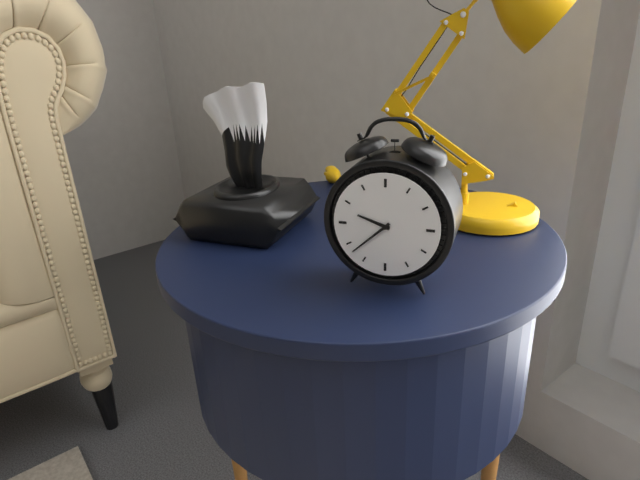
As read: 9:38
